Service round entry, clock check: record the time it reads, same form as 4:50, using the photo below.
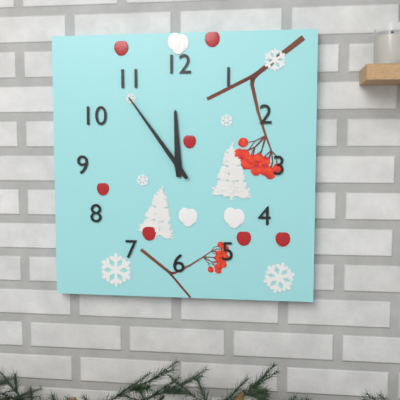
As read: 11:54
